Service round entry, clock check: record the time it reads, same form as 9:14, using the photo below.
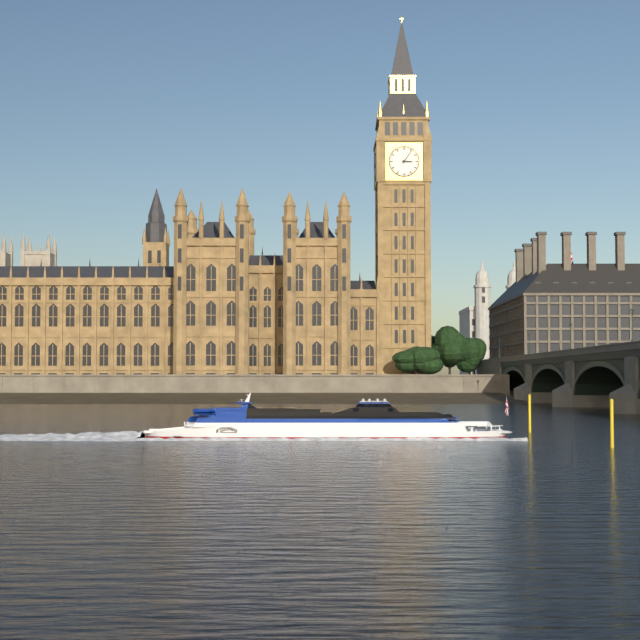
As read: 3:06
